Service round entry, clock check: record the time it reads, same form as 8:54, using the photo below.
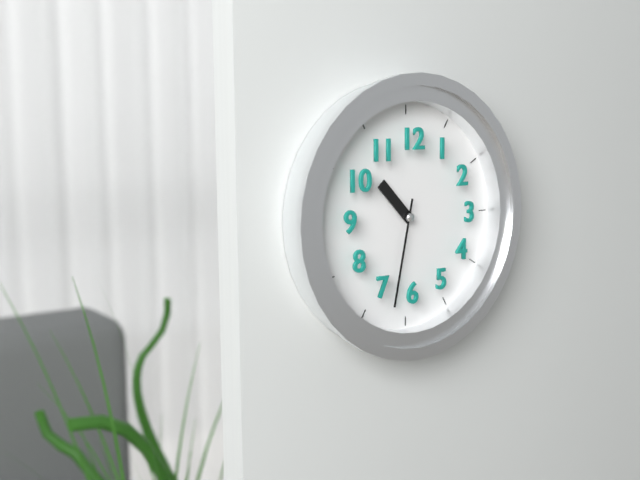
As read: 10:32
